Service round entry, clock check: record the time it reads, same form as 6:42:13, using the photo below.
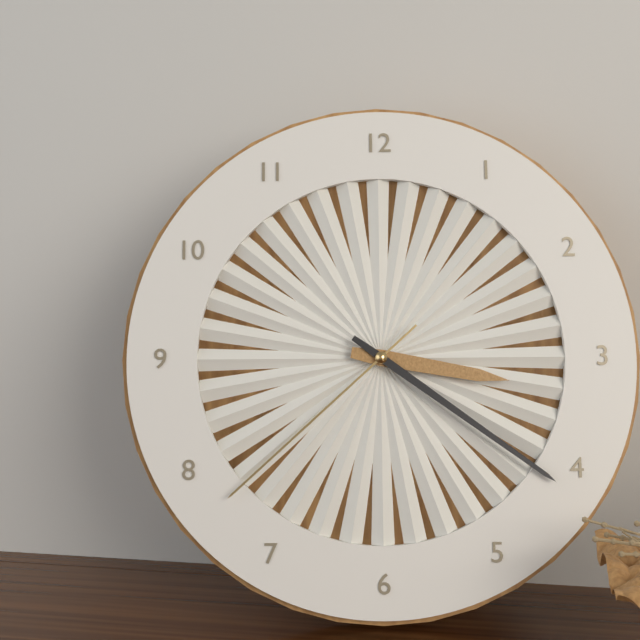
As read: 3:21:38
